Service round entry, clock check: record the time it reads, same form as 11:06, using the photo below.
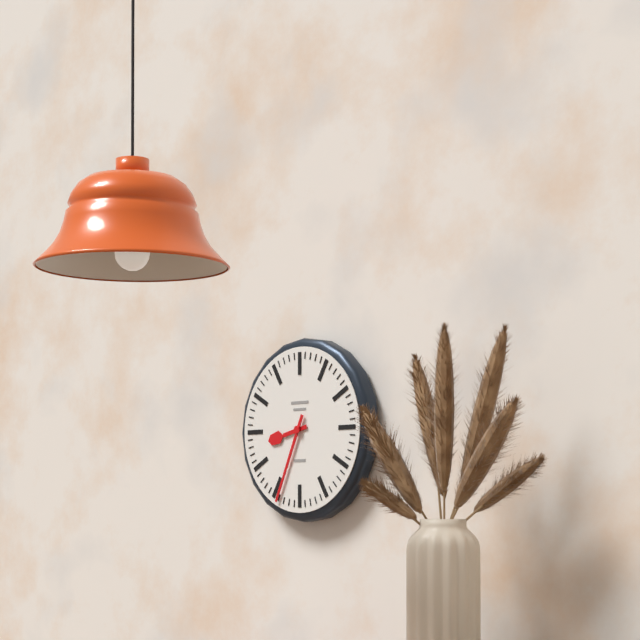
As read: 8:34
